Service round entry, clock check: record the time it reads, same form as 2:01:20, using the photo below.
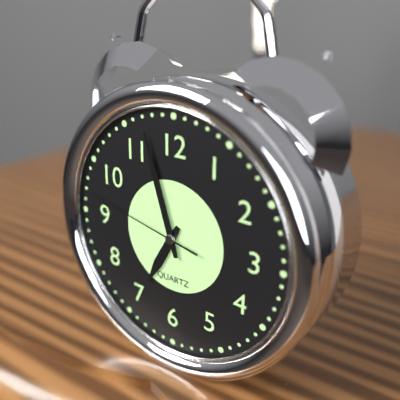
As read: 6:57:47
